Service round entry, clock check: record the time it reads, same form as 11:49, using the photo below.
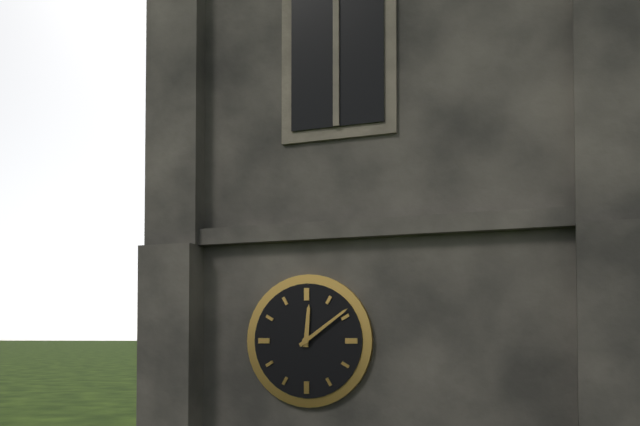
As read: 12:09
